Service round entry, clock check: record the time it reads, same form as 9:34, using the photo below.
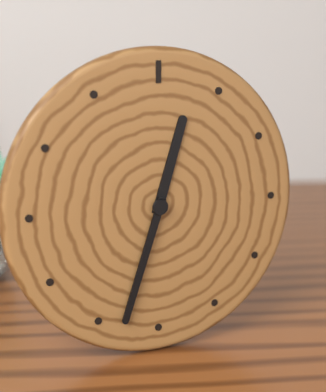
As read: 12:33
